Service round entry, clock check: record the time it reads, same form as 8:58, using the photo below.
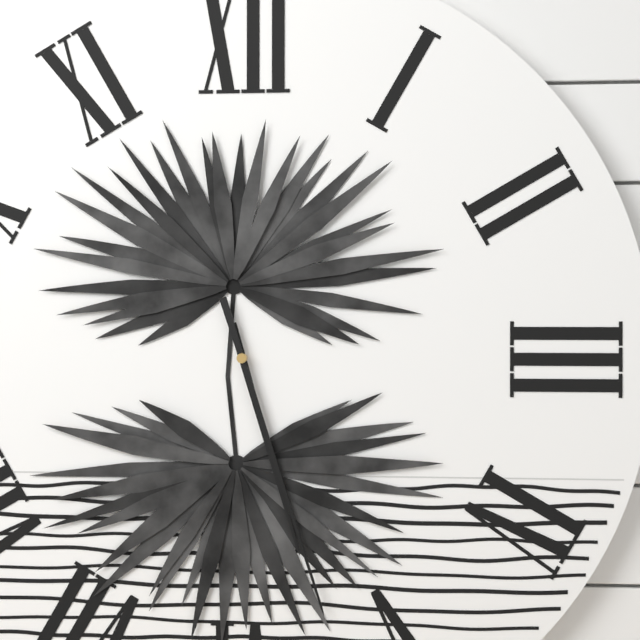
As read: 5:27
